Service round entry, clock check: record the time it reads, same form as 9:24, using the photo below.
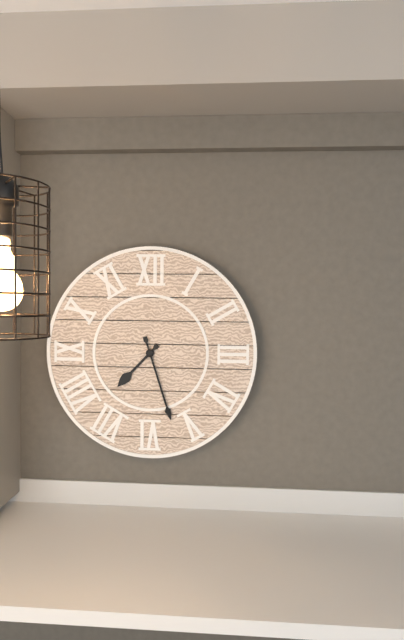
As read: 7:27
